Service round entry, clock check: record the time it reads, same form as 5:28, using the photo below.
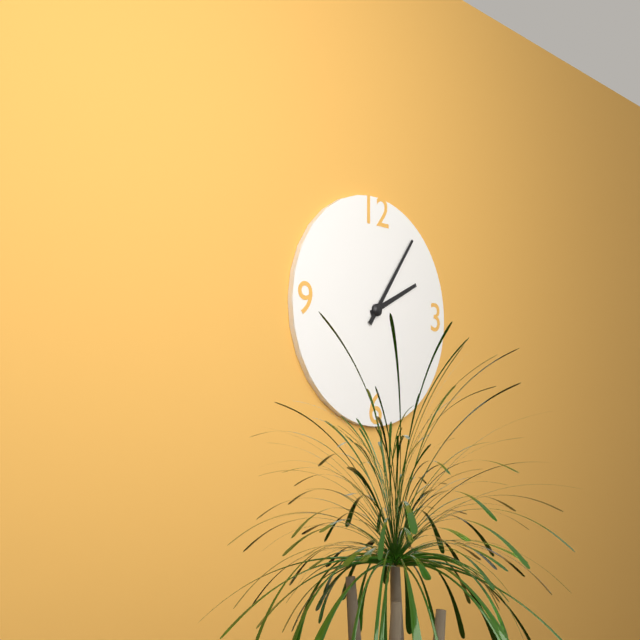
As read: 2:06
